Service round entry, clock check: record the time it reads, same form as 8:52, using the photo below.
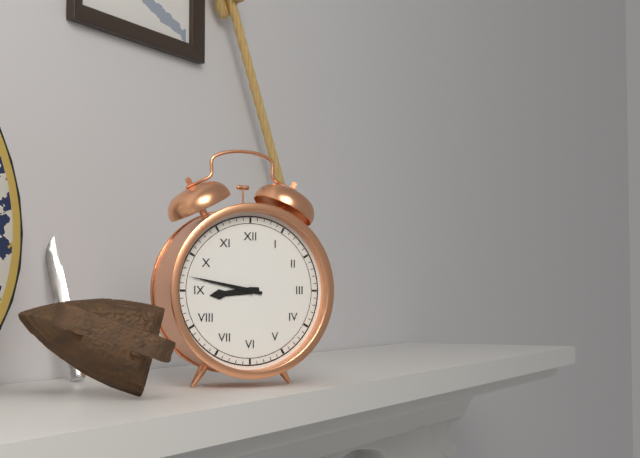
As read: 8:47
